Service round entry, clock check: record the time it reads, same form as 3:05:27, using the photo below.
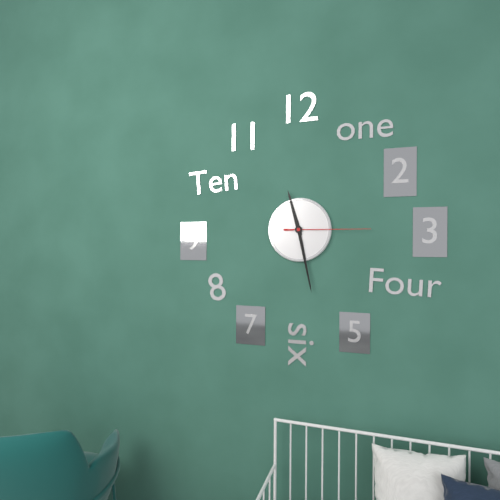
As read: 11:28:15
